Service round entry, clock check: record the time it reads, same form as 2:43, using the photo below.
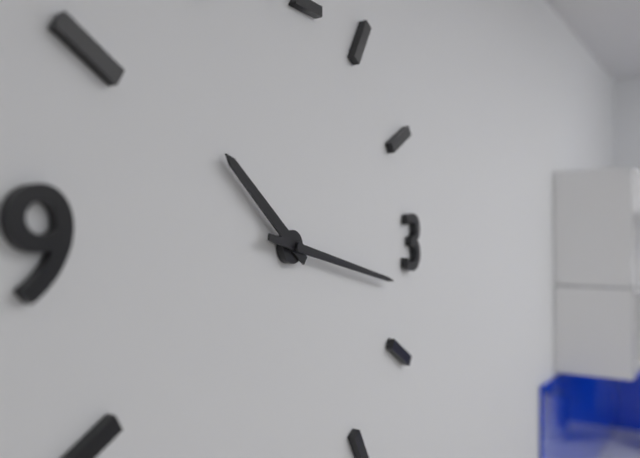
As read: 10:17
